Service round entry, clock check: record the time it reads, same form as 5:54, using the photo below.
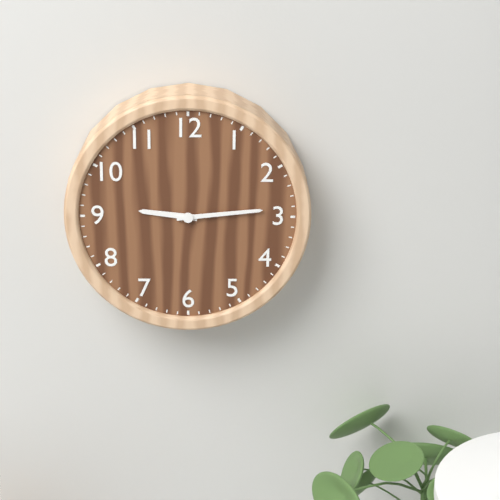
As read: 9:14
